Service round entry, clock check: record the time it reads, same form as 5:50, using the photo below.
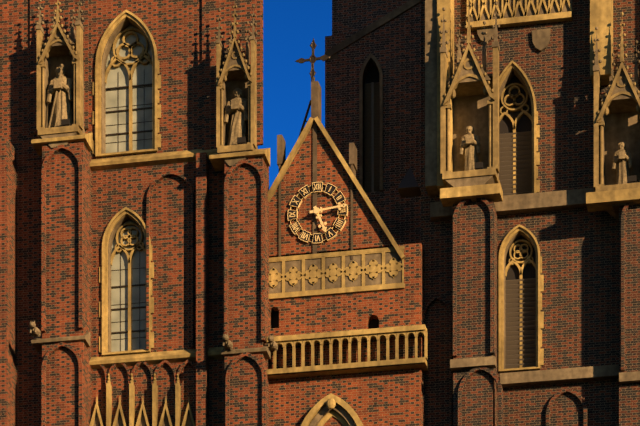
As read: 5:14
